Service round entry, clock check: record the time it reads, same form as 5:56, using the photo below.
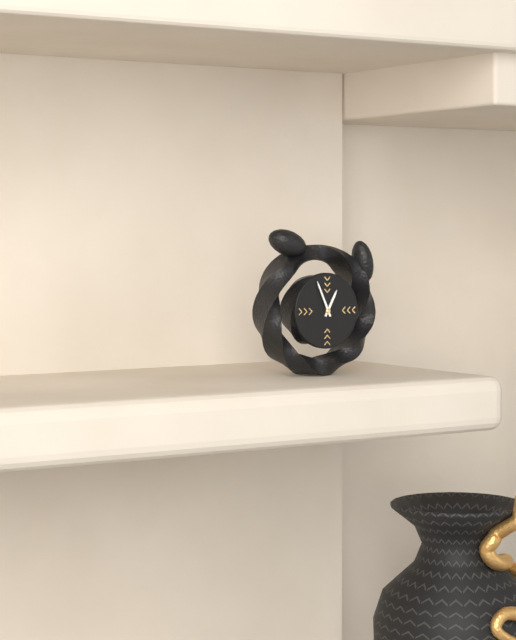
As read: 12:56
